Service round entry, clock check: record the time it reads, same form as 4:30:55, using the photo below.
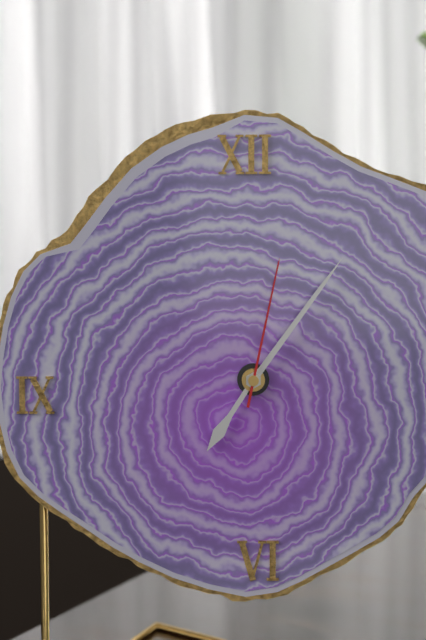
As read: 7:06:02
